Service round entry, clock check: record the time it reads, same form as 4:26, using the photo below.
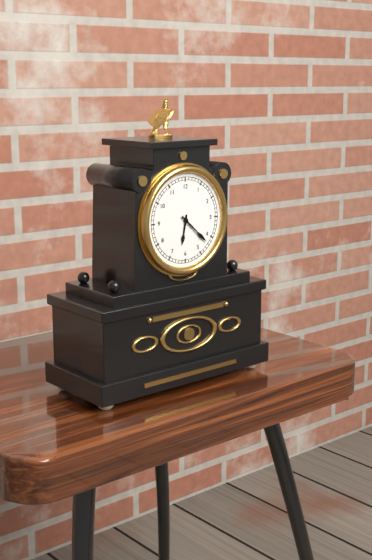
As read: 6:22
